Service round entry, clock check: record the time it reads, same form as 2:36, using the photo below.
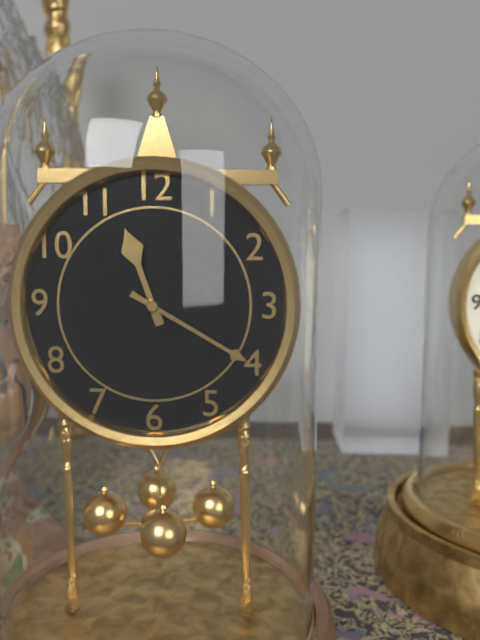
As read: 11:20
